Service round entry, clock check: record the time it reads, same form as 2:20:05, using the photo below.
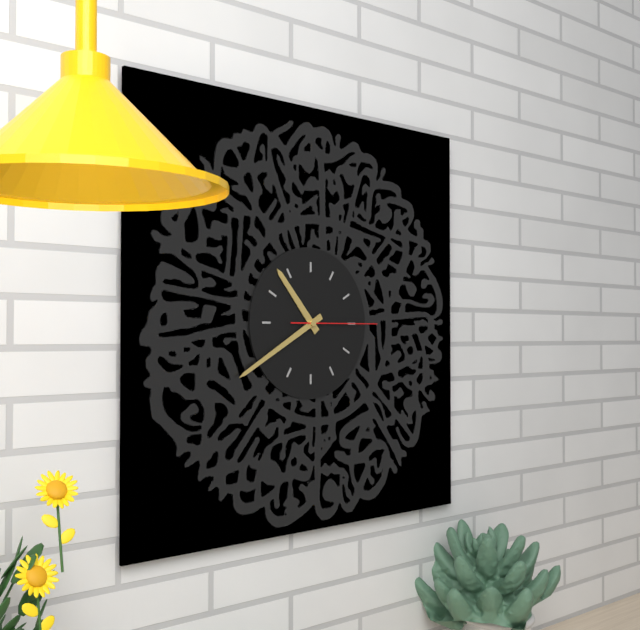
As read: 10:40:15
